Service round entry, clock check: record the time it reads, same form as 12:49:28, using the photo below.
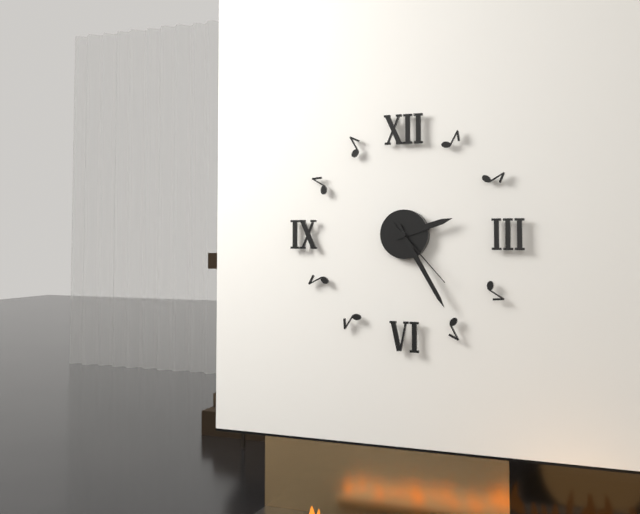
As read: 2:25:23
